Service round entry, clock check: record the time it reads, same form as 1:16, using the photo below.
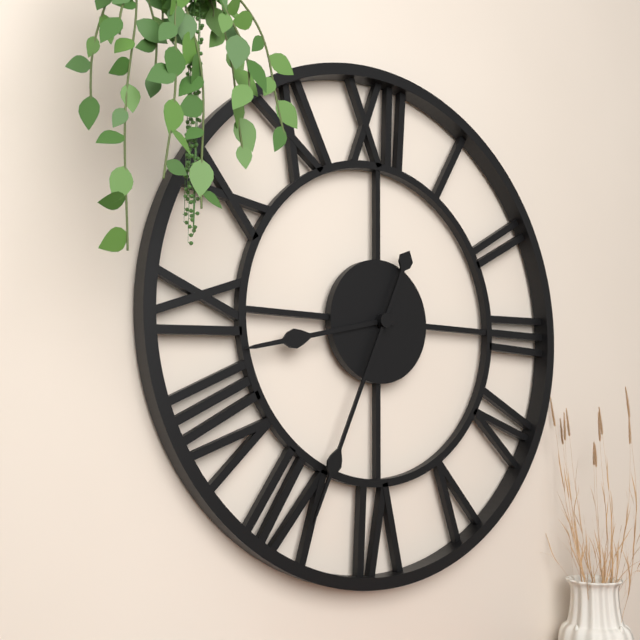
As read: 8:34
